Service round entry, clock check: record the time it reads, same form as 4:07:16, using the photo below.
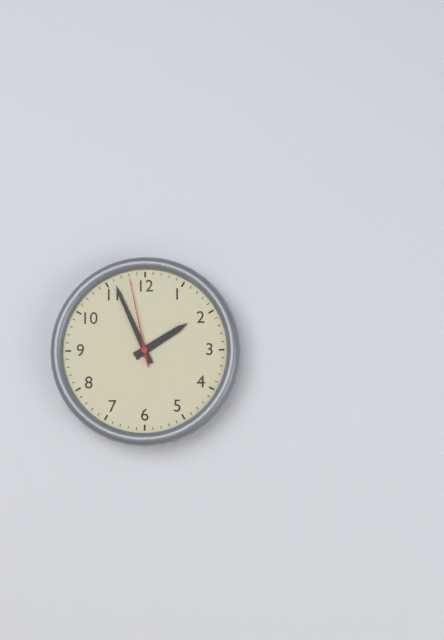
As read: 1:56:58
